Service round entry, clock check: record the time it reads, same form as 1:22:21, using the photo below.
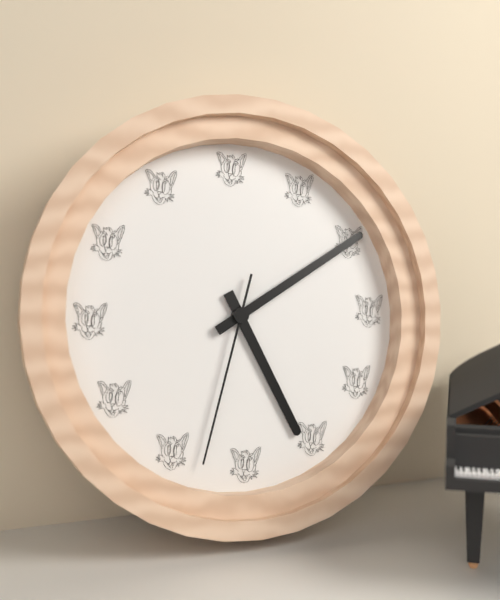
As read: 5:10:33
